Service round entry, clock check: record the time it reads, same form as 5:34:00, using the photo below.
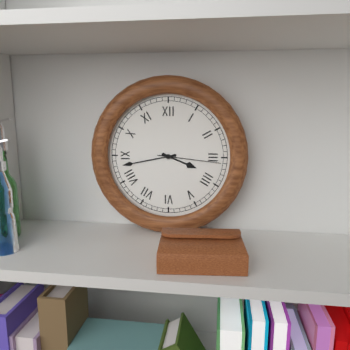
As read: 3:43:16
